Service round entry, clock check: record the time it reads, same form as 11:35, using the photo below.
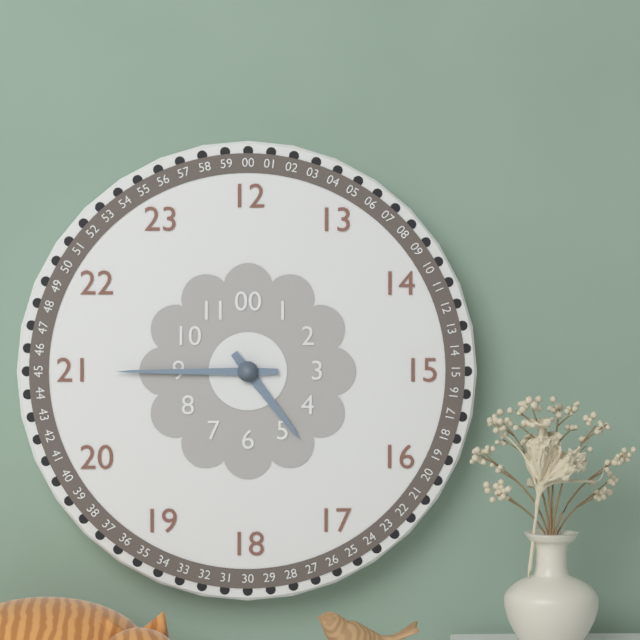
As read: 4:45
